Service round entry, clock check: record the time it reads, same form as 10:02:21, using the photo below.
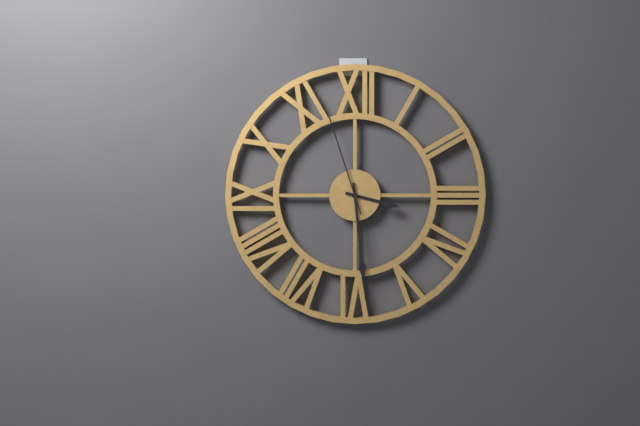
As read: 3:29:57
